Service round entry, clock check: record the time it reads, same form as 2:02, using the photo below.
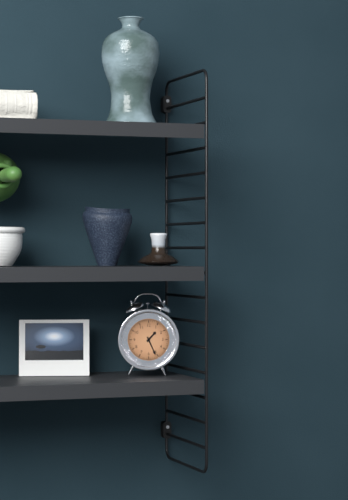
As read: 1:26
